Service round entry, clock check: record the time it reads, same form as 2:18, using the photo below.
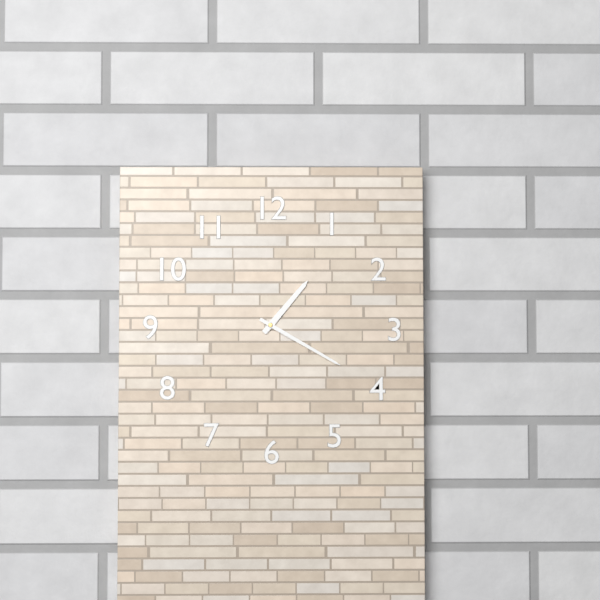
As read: 1:20
